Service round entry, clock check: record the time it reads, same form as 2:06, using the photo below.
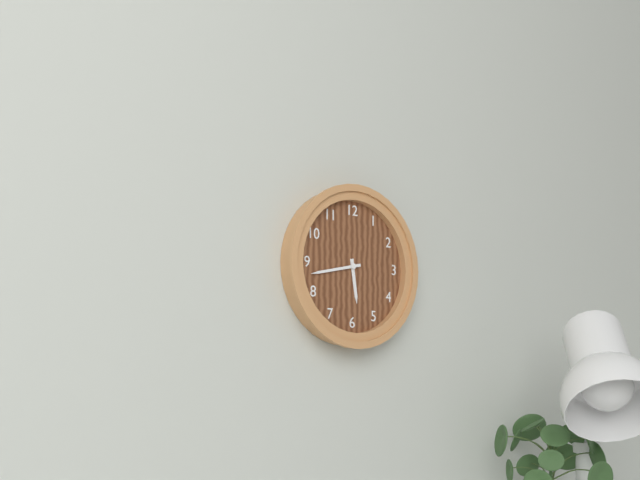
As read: 5:43
